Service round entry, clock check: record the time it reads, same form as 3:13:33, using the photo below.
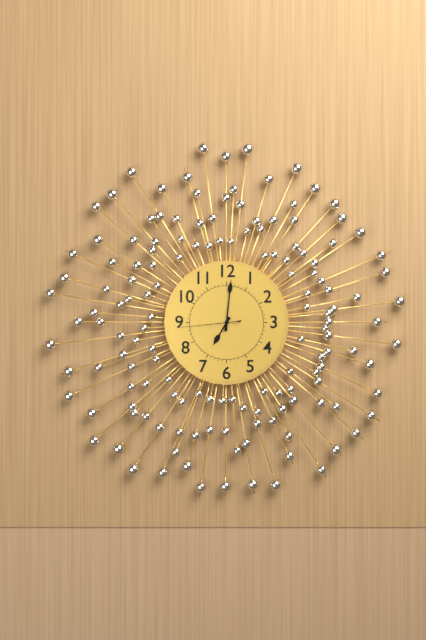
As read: 7:01:44
